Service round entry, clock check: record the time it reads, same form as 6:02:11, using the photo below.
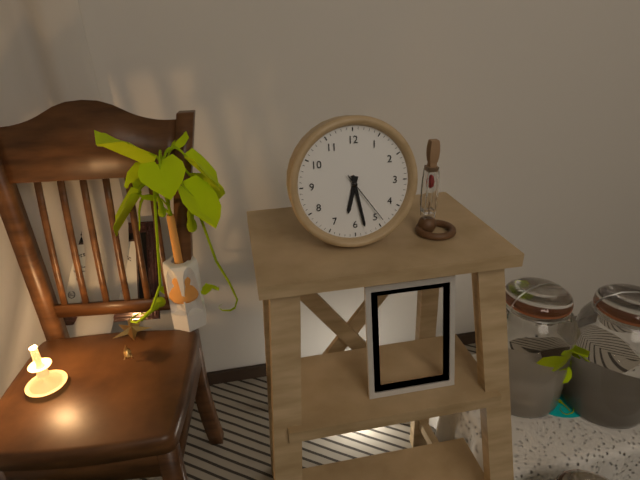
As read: 6:28:24
